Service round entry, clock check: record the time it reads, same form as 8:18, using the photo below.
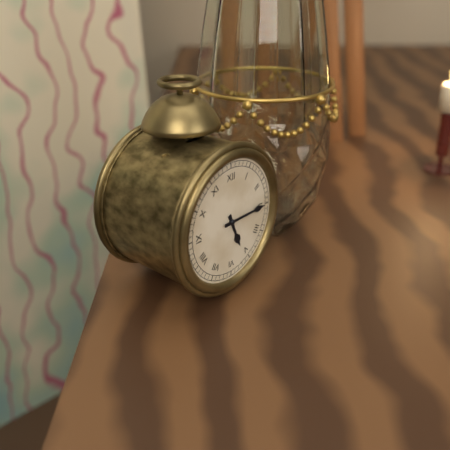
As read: 5:15
